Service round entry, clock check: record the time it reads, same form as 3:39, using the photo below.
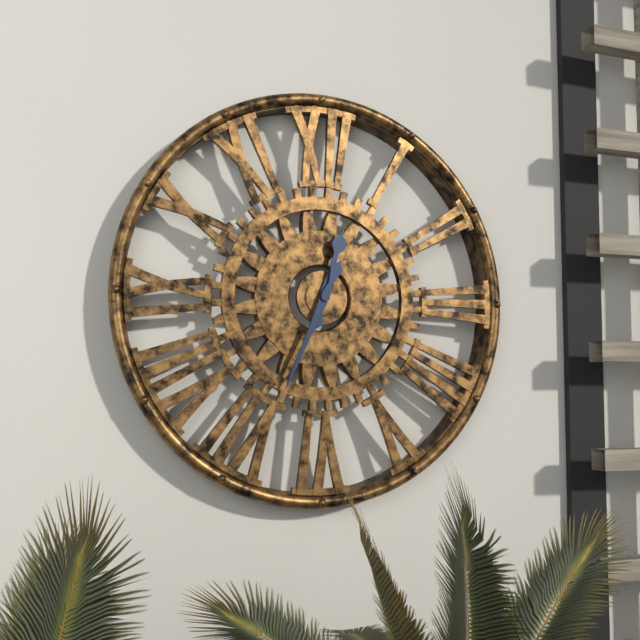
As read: 12:34
